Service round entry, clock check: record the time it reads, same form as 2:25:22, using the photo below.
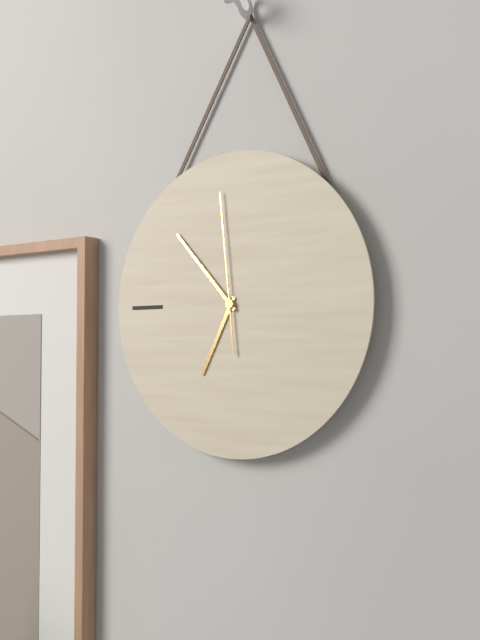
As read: 6:53:59
